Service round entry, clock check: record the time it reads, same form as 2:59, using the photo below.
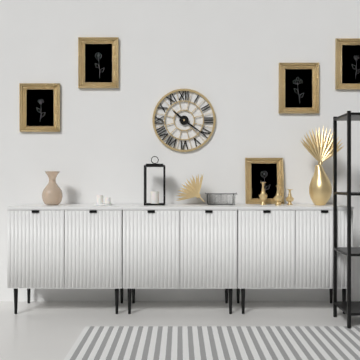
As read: 10:21
